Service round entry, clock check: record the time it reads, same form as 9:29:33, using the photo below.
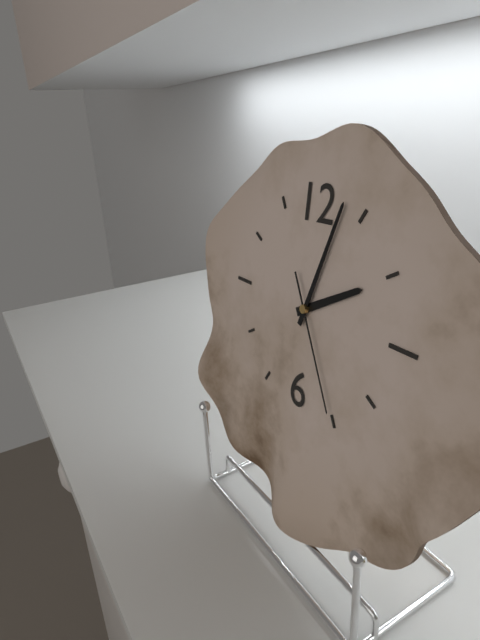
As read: 2:03:25
